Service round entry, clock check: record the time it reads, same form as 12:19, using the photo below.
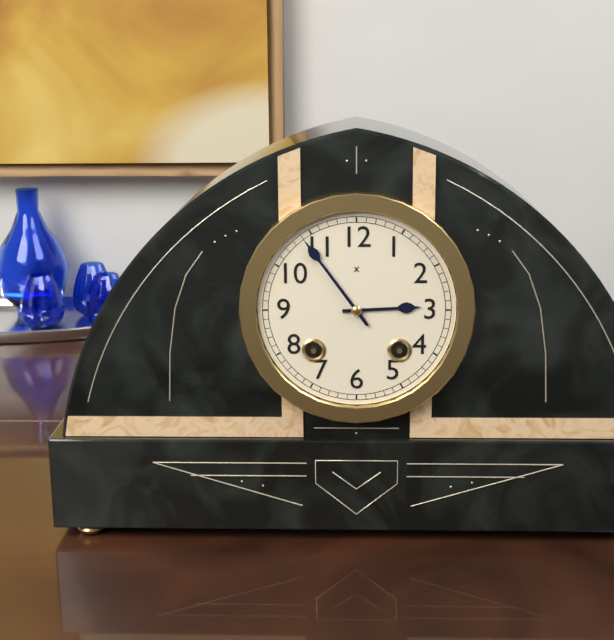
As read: 2:54
